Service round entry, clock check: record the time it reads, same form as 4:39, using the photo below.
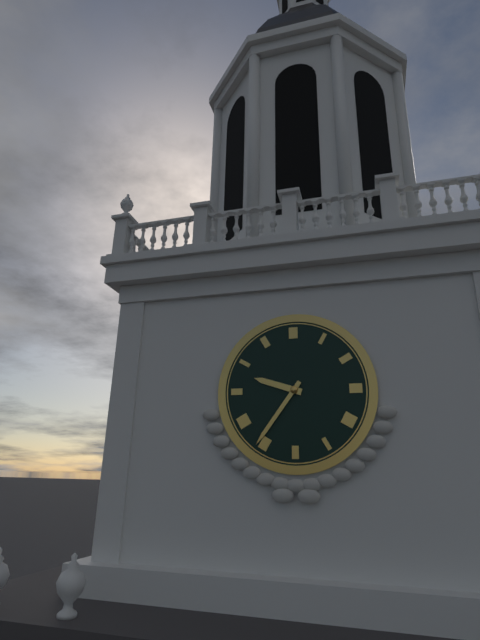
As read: 9:36
